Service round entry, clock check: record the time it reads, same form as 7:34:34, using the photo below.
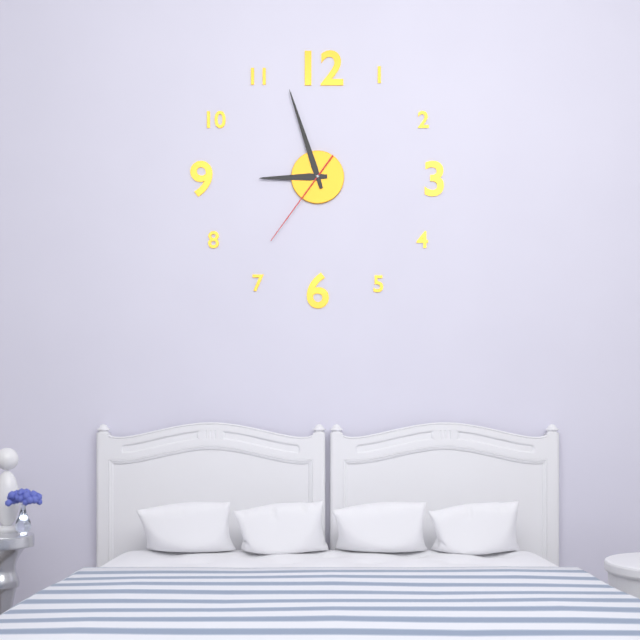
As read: 8:57:36
